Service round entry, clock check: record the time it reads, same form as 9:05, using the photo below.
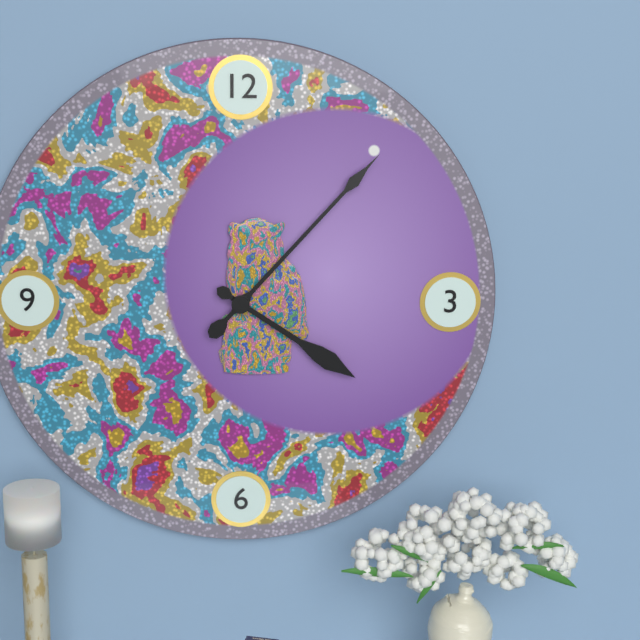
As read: 4:07
